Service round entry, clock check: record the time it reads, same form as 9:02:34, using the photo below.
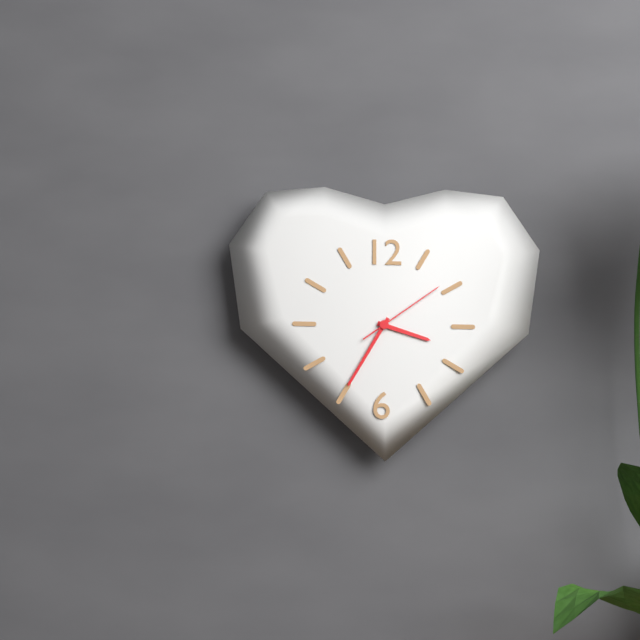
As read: 3:35:09
